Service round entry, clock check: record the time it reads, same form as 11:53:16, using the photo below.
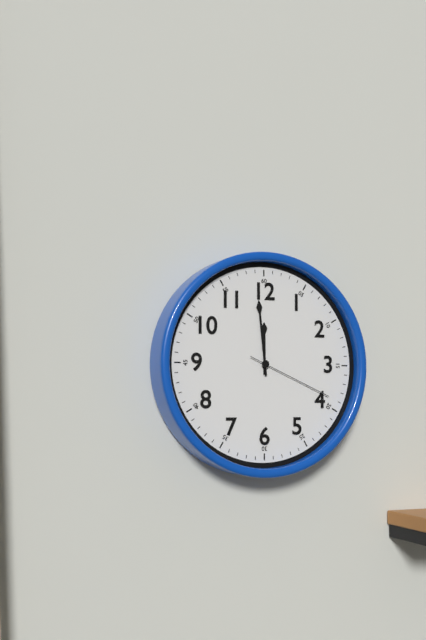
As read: 11:59:19
